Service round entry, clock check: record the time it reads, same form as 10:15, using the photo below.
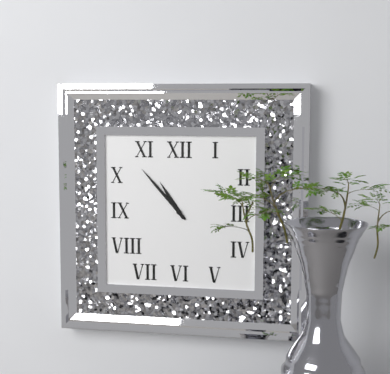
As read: 10:53
